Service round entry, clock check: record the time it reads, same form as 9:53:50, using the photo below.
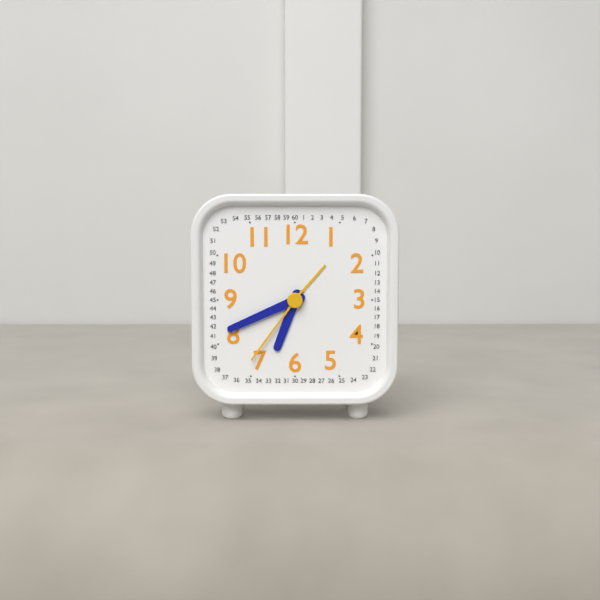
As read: 6:41:36
